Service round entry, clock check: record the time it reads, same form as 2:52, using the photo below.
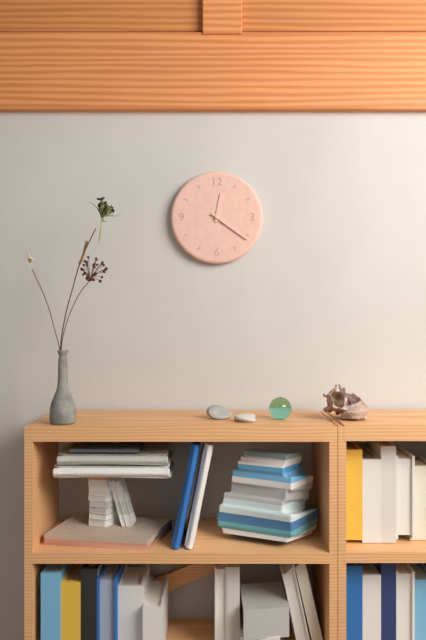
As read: 12:21
